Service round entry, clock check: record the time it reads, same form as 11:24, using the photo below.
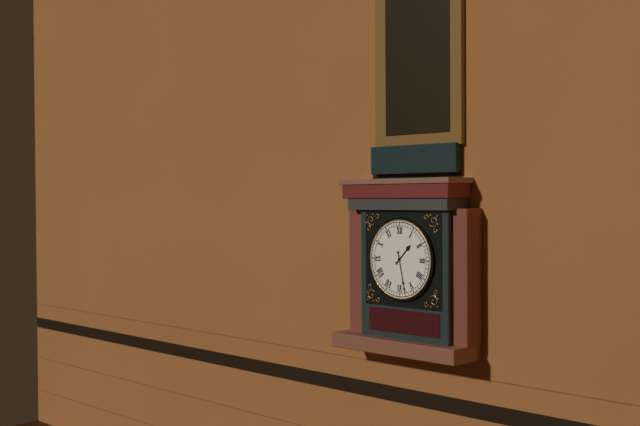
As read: 1:28
